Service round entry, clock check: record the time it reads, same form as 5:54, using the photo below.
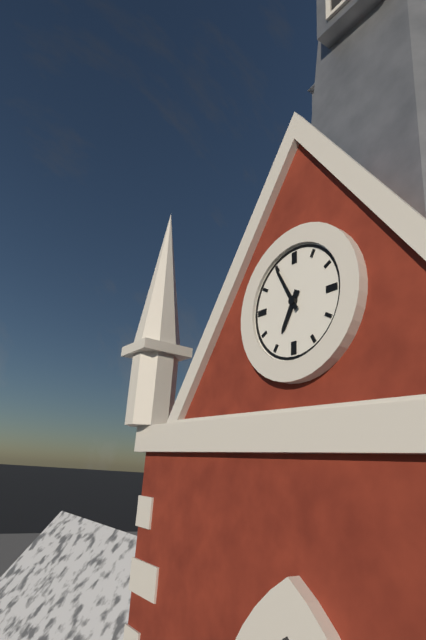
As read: 6:55
